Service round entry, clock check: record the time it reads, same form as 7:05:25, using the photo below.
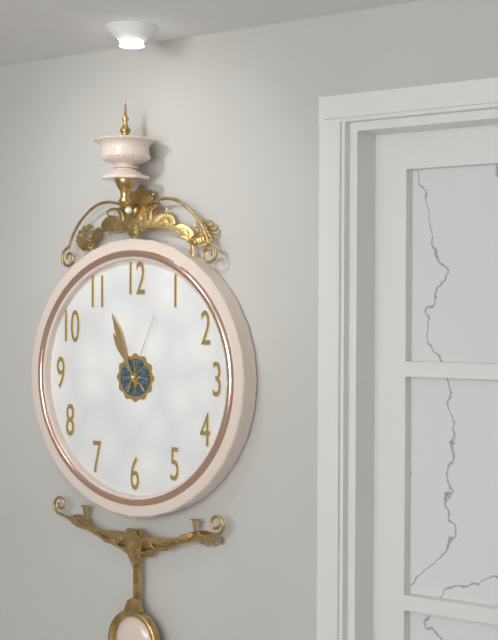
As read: 10:56:04
